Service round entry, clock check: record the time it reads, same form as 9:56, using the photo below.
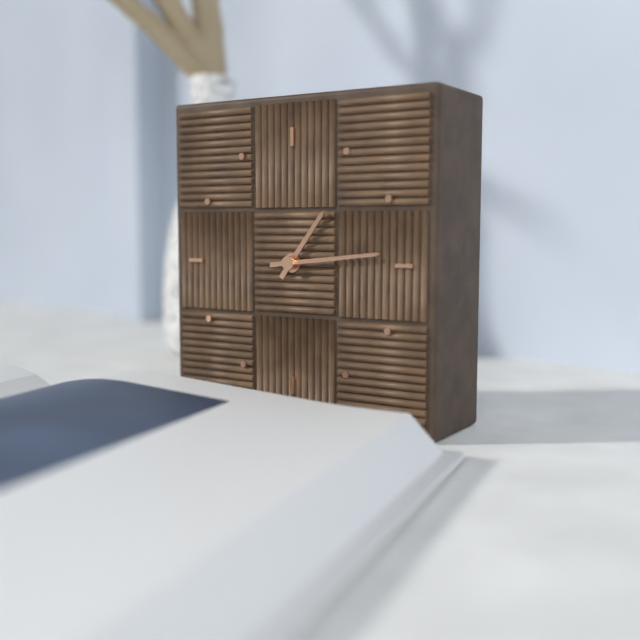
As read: 1:14
